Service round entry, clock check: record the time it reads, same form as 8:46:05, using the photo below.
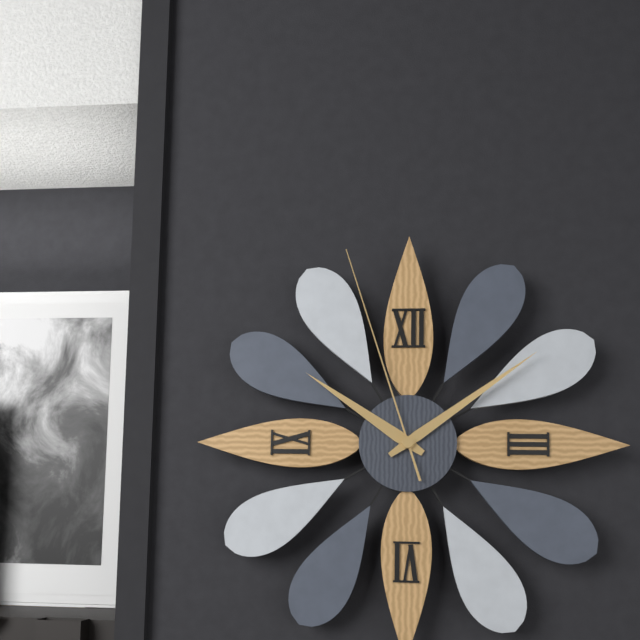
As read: 10:09:57
